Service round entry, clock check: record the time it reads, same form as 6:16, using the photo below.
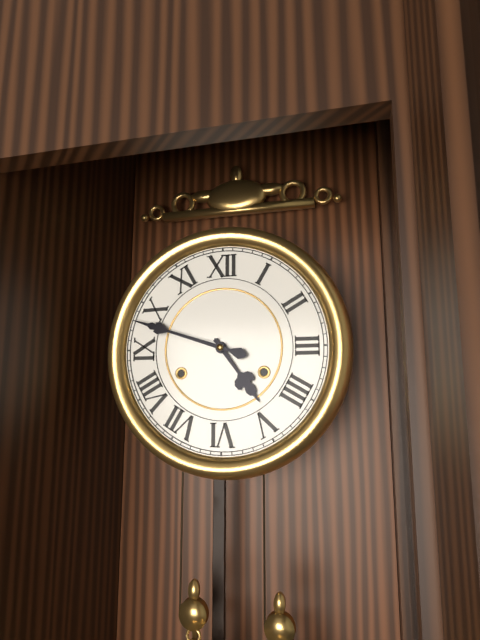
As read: 4:48
